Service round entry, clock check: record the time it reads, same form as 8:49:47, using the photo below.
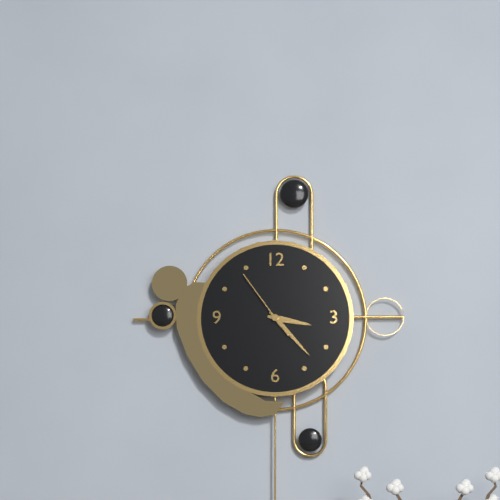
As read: 3:23:54
